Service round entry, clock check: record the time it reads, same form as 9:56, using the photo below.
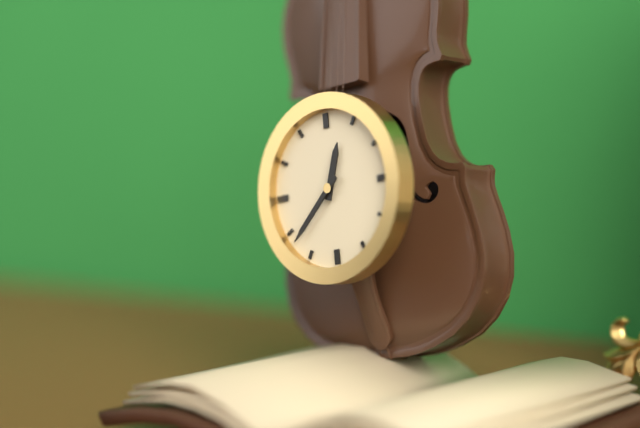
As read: 12:38
